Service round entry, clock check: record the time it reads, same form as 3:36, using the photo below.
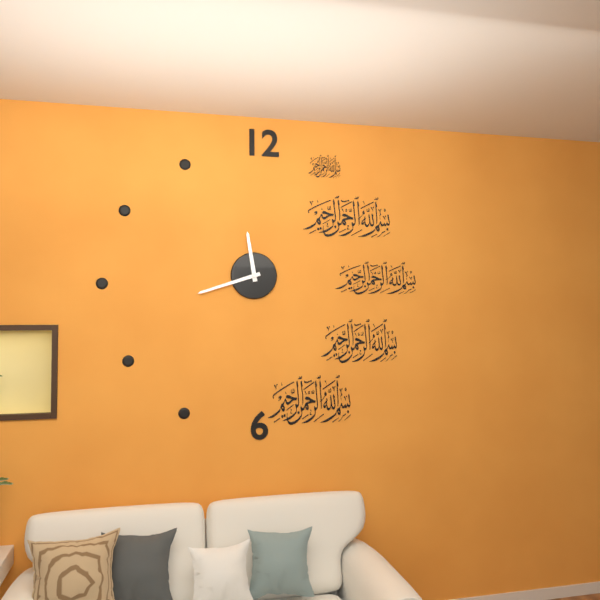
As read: 11:42
